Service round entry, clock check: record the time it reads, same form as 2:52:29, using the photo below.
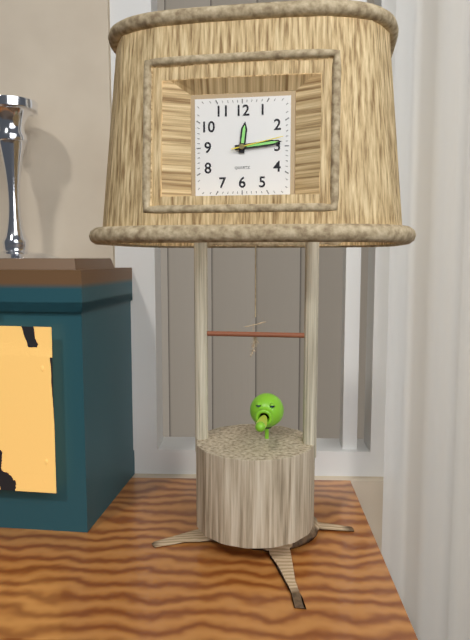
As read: 12:14:13
